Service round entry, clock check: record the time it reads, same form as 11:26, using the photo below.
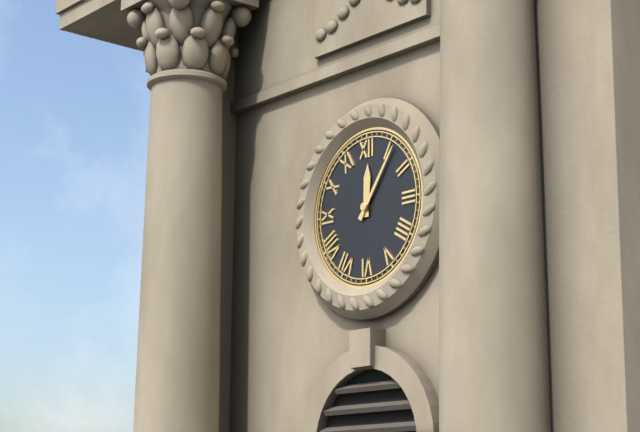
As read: 12:06
